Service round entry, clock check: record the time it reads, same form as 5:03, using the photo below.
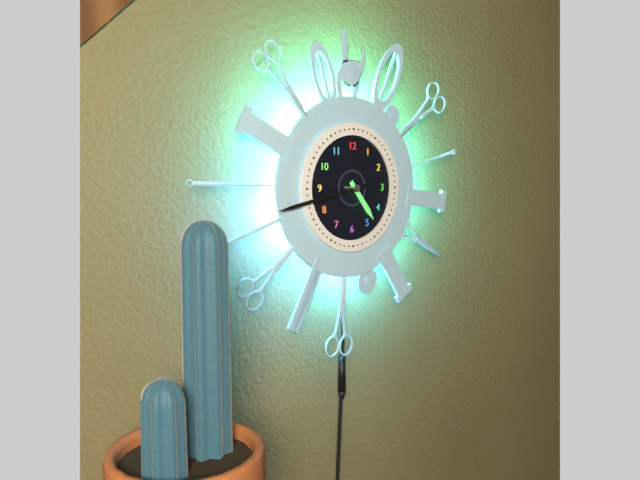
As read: 4:43
